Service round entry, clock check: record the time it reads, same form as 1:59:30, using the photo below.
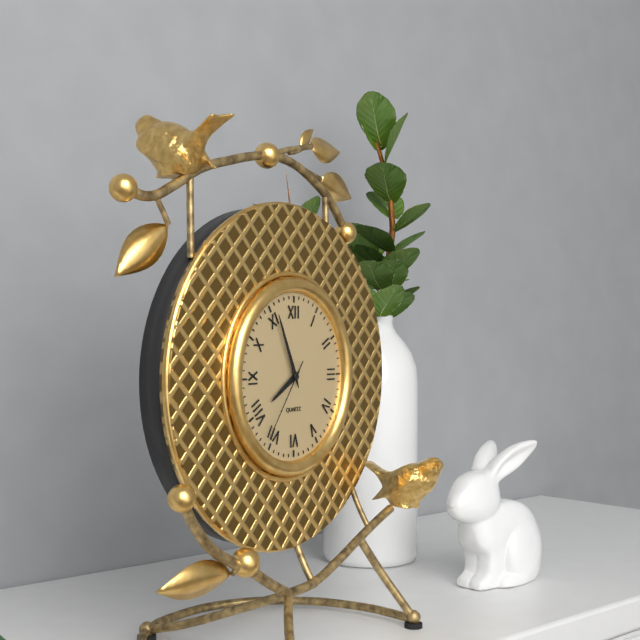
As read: 7:56:36
